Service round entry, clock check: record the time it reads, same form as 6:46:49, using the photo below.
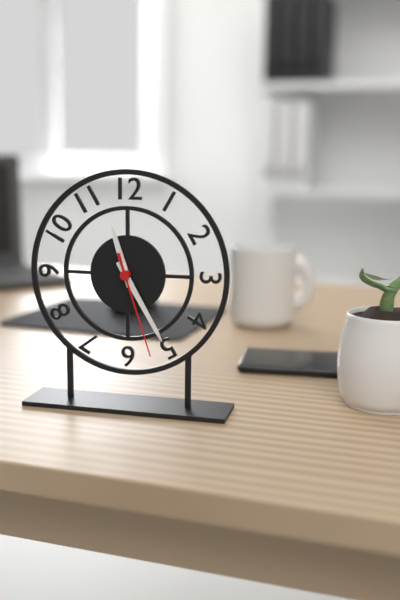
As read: 11:25:27
